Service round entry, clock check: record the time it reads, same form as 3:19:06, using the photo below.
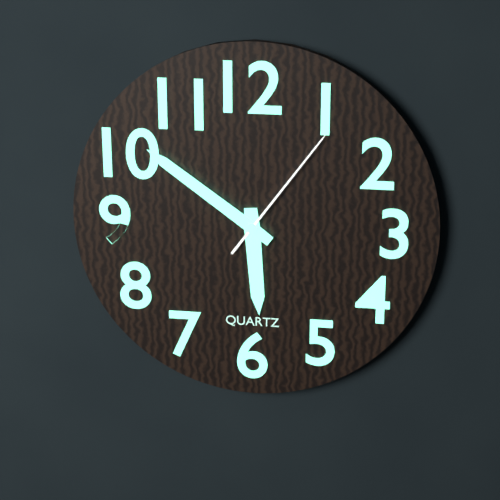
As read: 5:51:06
